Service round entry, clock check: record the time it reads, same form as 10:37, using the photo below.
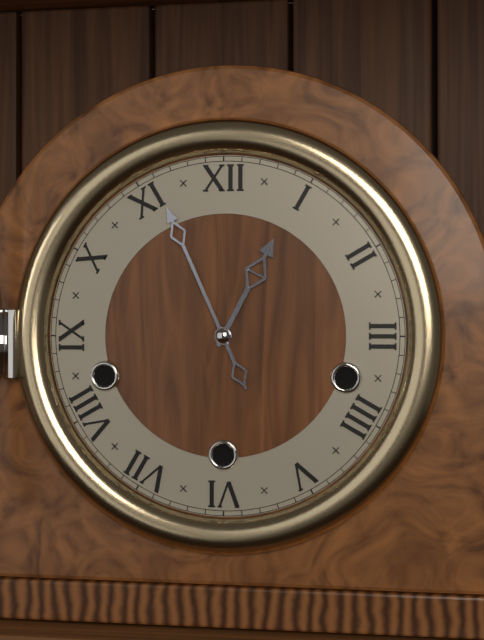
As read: 12:56
